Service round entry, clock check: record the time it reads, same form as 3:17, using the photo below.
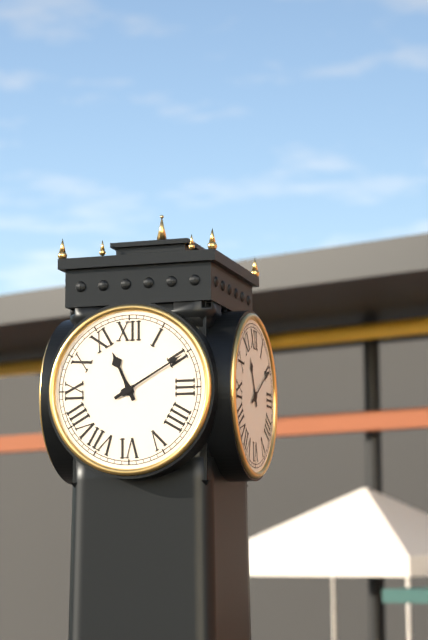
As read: 11:10
